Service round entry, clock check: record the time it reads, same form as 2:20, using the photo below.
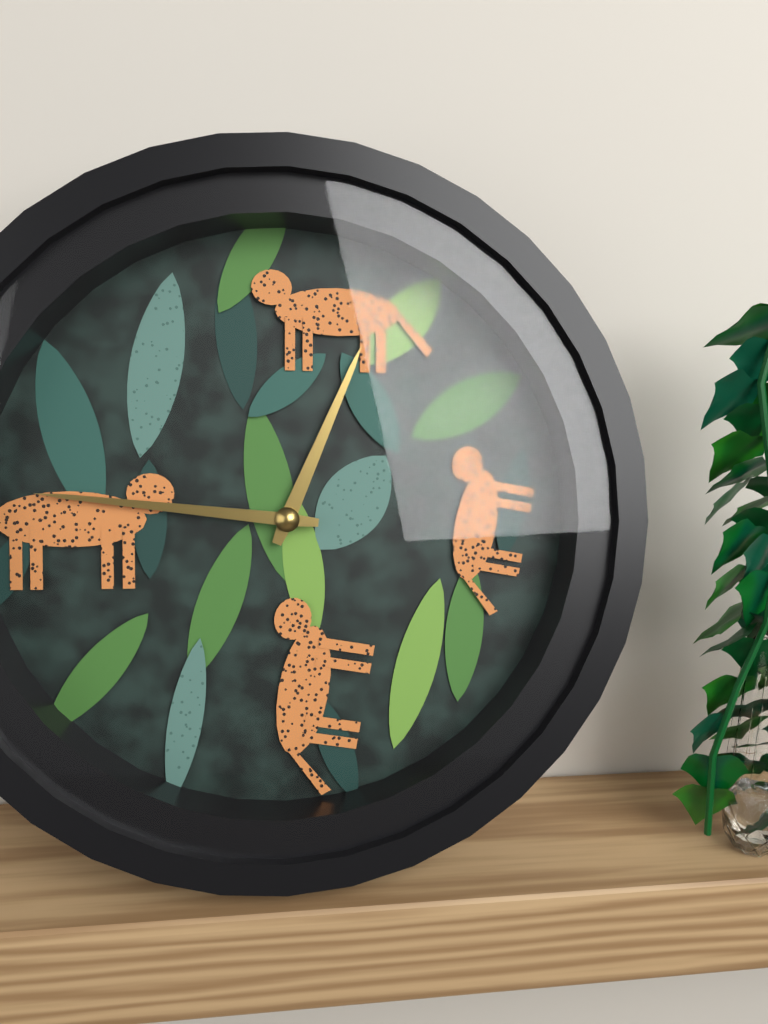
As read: 12:46
